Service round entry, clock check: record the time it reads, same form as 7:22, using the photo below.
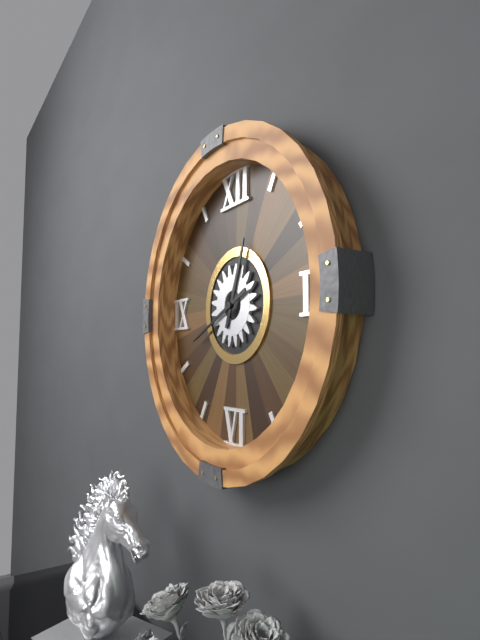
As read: 12:41
